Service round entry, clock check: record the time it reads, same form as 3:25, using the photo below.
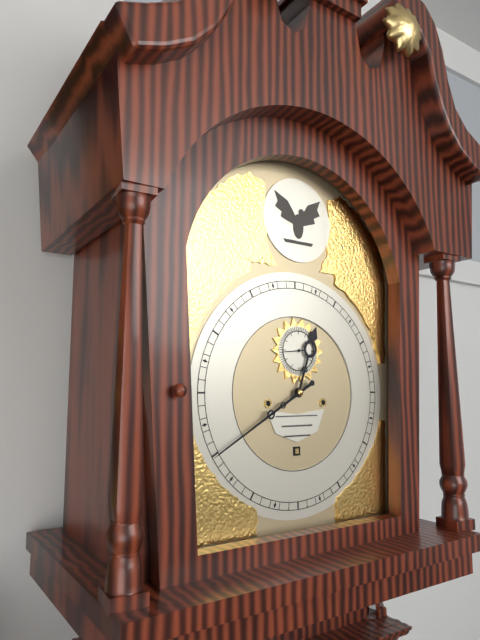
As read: 12:40
